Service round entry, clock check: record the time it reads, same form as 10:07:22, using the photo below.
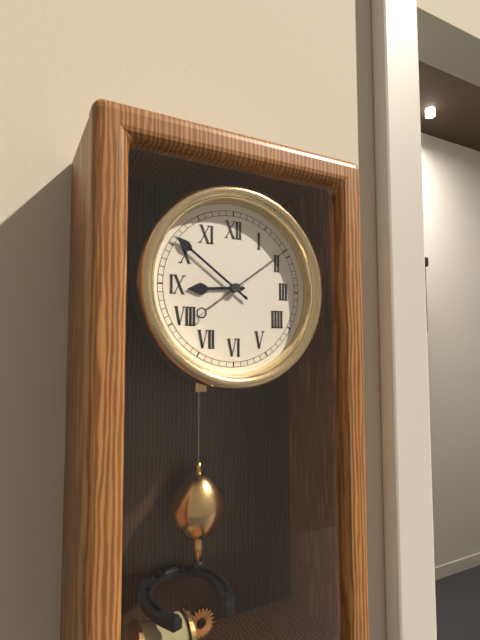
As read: 8:51:09
